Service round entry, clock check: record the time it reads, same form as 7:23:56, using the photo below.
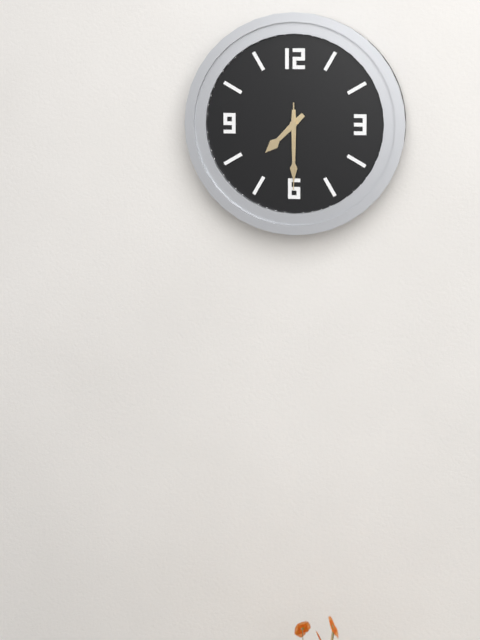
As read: 7:30:30
